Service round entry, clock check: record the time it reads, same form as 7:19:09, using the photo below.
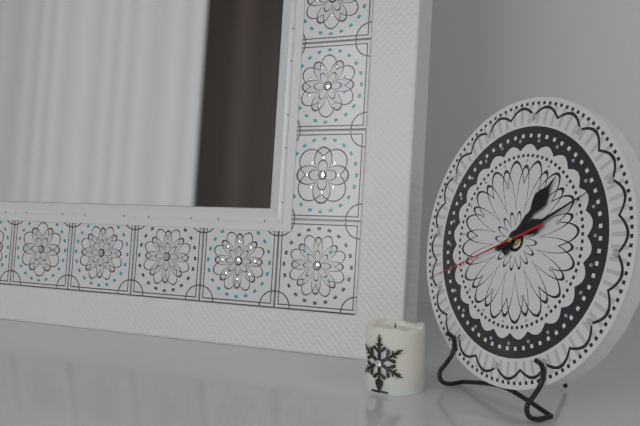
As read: 1:10:41
